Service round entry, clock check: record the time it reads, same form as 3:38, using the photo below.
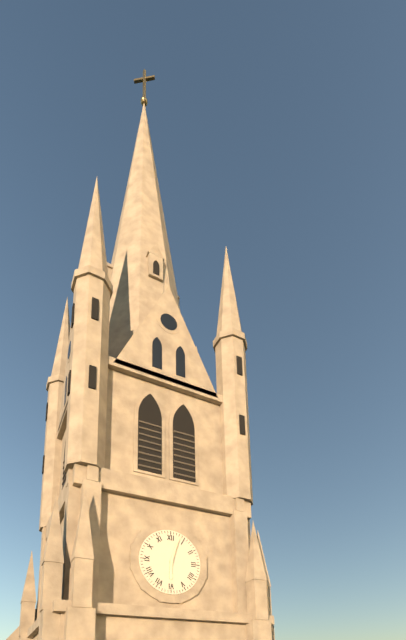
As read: 6:03
